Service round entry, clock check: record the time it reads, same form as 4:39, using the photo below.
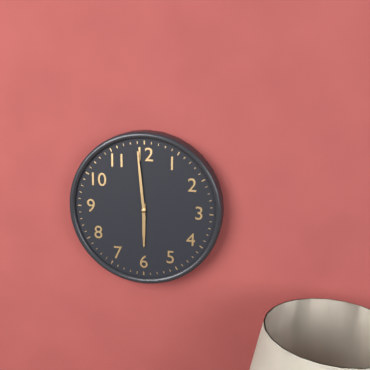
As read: 5:59
